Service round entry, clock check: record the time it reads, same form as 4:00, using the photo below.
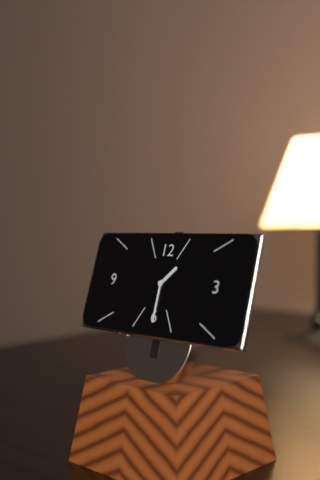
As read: 1:30
